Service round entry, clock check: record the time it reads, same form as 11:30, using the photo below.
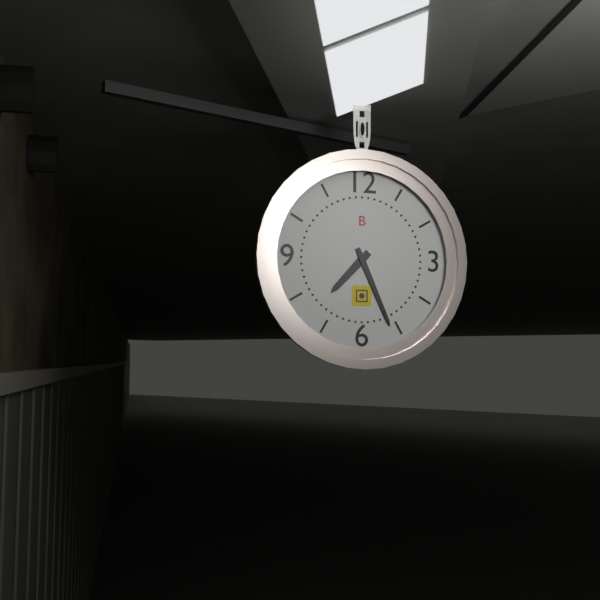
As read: 7:26
